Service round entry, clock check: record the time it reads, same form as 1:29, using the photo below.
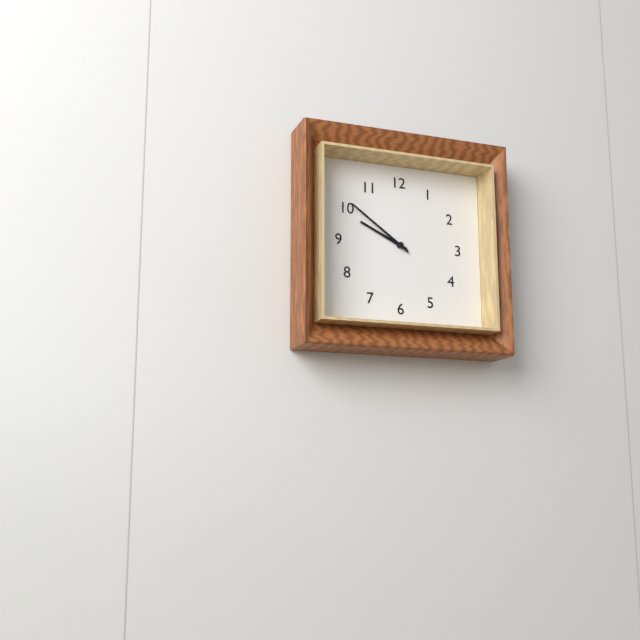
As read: 9:51
